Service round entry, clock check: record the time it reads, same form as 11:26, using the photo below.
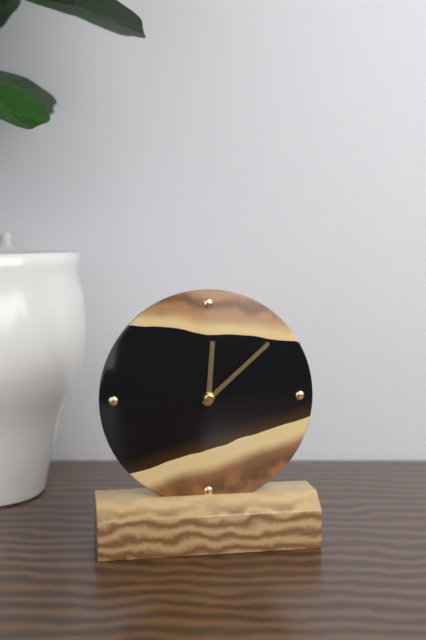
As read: 12:08
